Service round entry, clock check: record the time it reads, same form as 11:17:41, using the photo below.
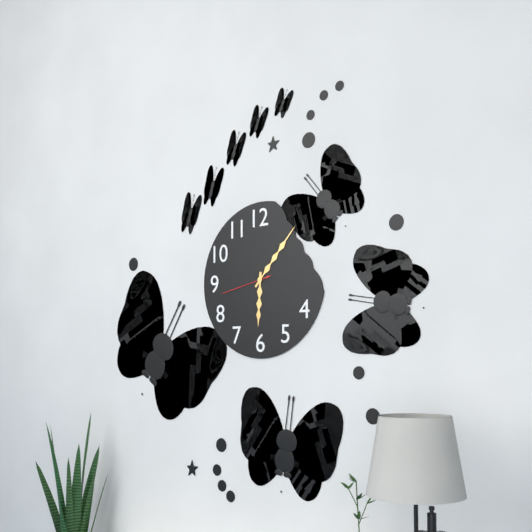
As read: 6:07:43
